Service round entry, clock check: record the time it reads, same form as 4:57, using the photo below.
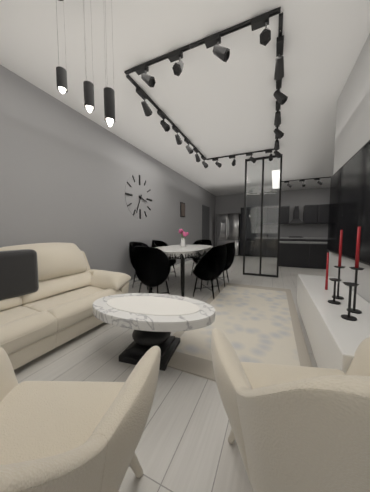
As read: 3:34
